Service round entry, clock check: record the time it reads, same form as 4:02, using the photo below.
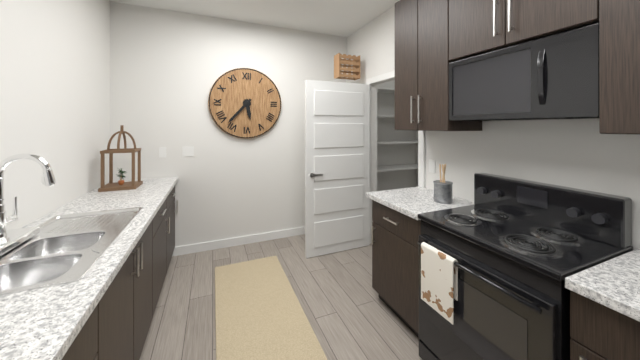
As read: 5:37
